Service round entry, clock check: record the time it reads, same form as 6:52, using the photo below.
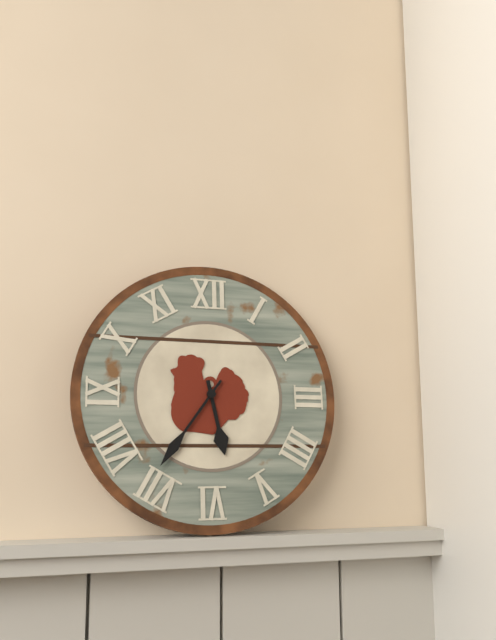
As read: 5:36
